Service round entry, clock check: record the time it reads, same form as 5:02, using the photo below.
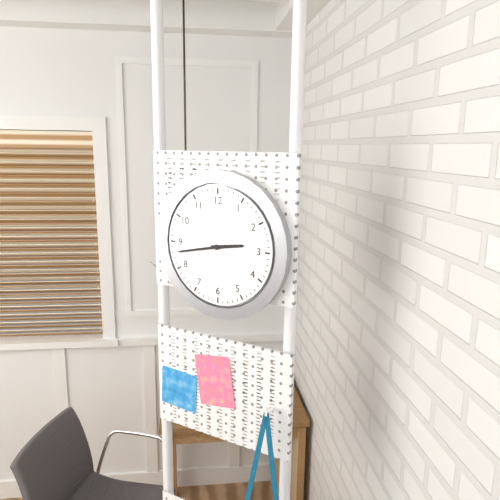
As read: 2:43
